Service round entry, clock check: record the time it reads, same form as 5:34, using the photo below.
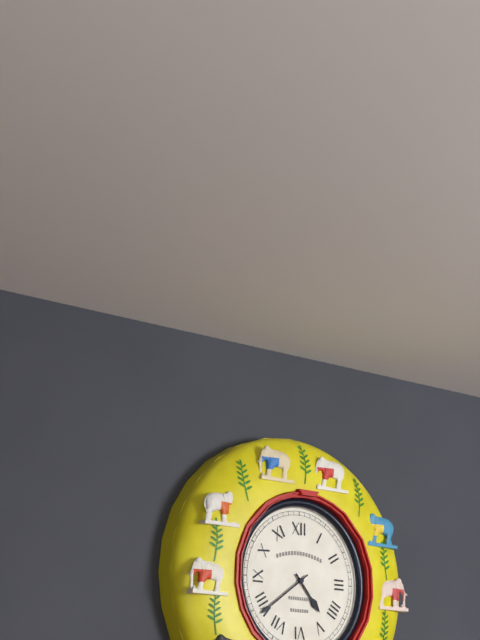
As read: 4:39
